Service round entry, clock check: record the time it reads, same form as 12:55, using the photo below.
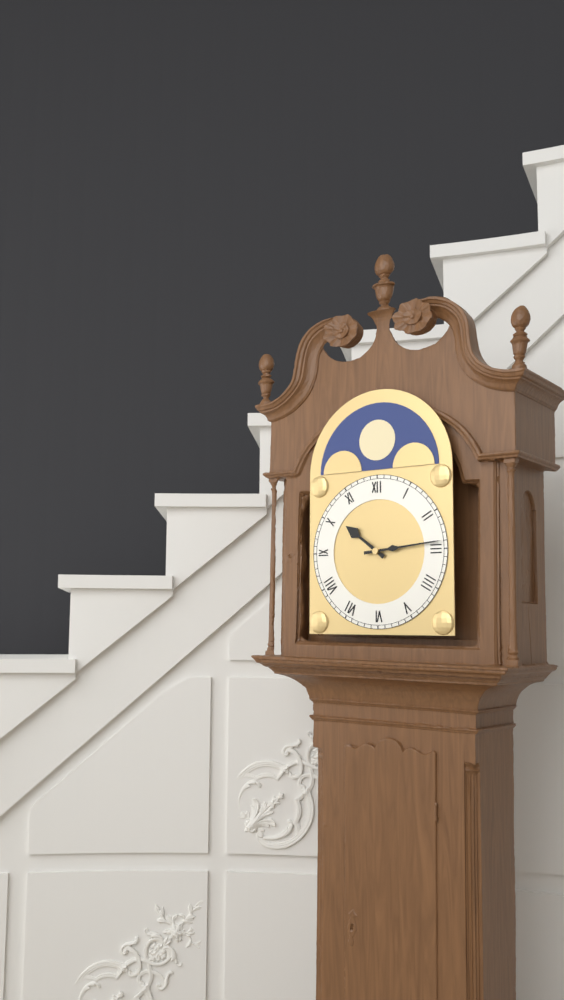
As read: 10:14
